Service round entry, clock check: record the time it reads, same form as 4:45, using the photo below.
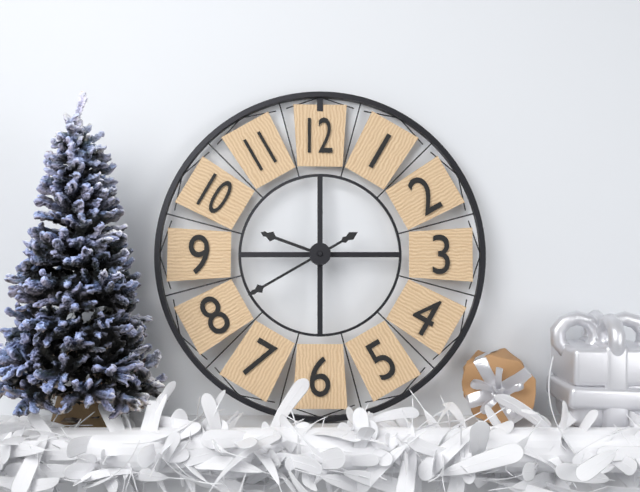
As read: 9:40
